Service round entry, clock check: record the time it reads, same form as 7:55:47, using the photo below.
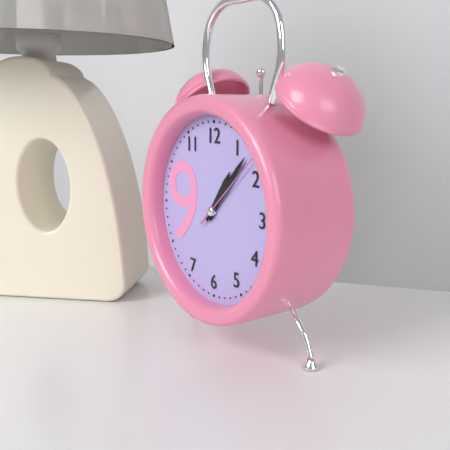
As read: 1:07:08
